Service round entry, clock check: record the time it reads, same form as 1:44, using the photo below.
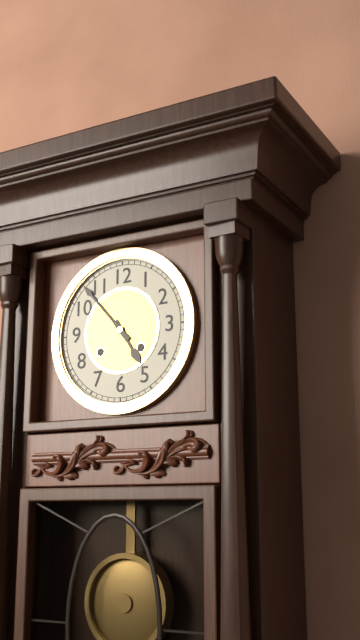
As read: 4:53
